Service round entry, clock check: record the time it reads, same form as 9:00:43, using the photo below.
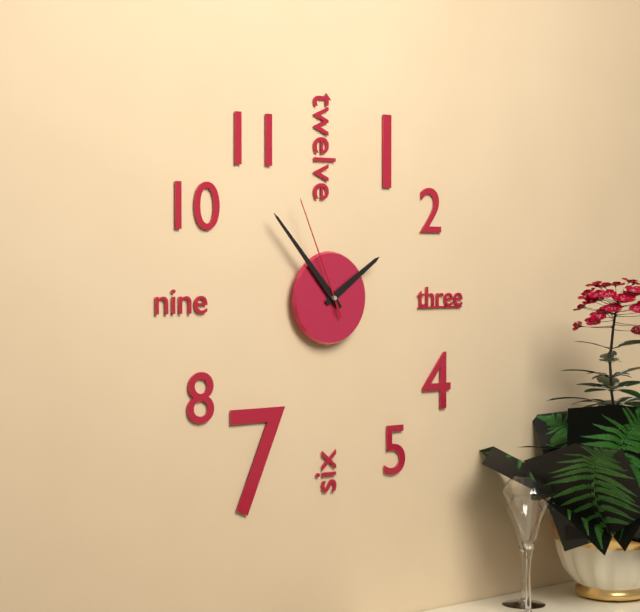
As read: 1:53:56
